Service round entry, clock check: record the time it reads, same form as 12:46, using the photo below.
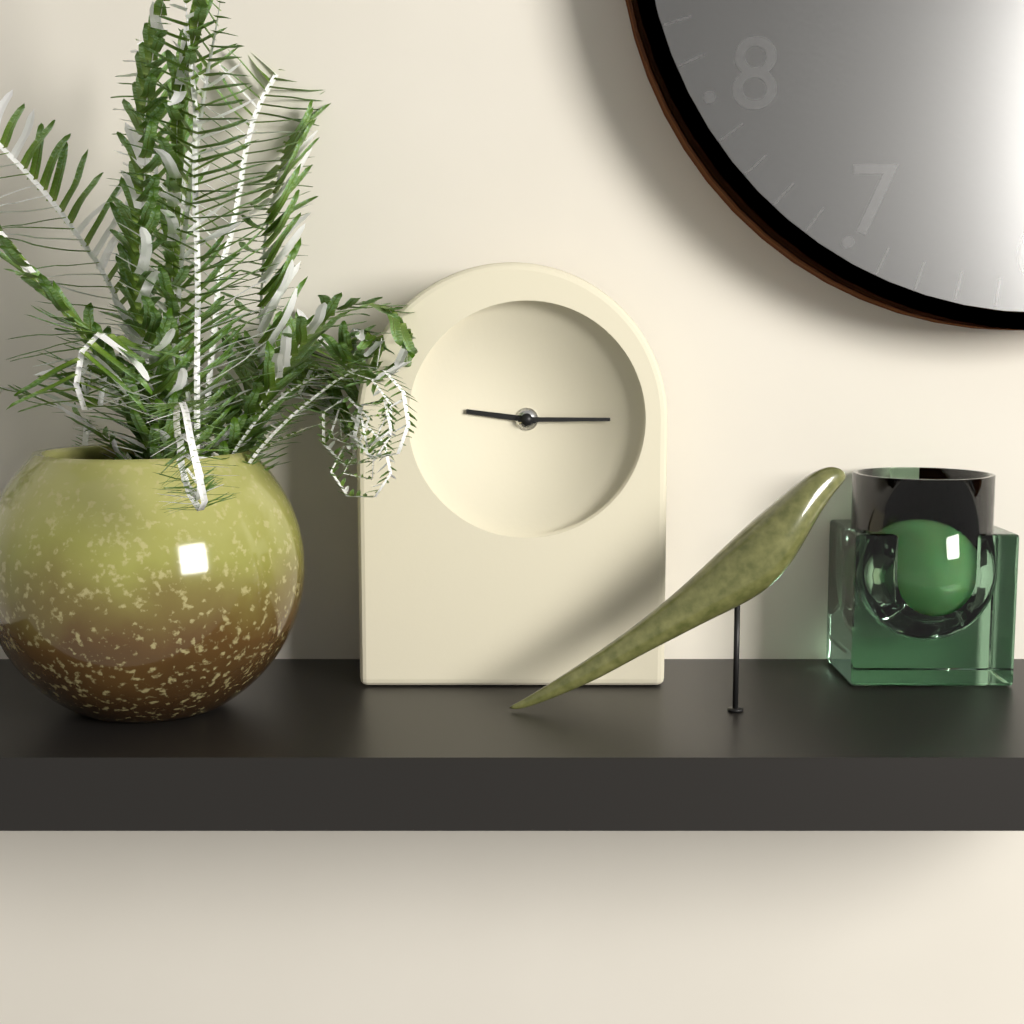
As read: 9:15
